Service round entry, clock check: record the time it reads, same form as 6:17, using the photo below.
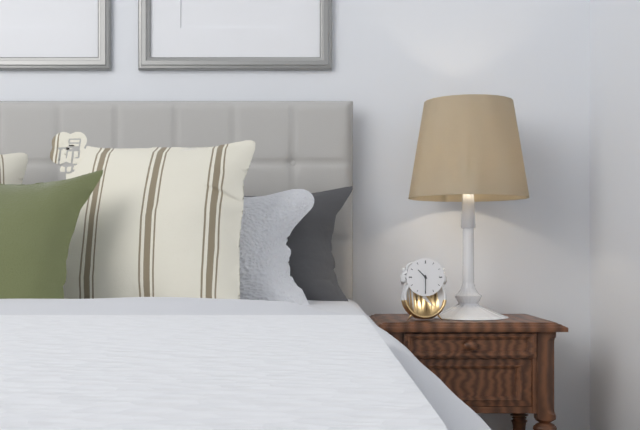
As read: 10:30
